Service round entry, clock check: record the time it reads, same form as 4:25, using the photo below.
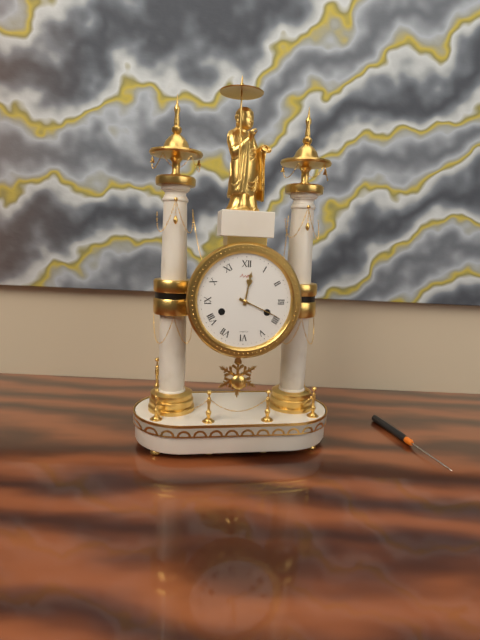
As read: 12:19
